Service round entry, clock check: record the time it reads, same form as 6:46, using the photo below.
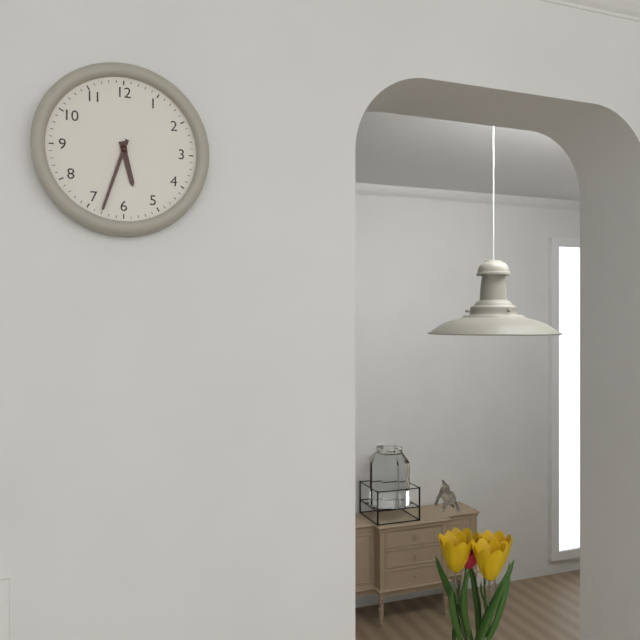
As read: 5:33
